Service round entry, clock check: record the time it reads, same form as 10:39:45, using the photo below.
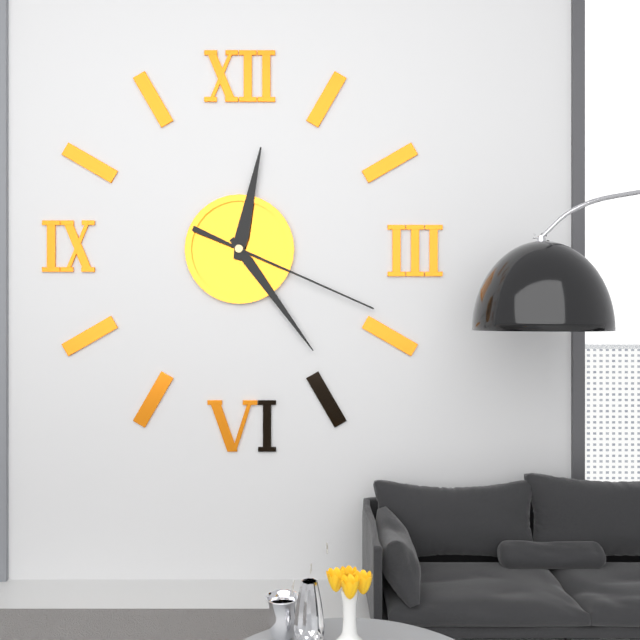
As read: 12:24:19
